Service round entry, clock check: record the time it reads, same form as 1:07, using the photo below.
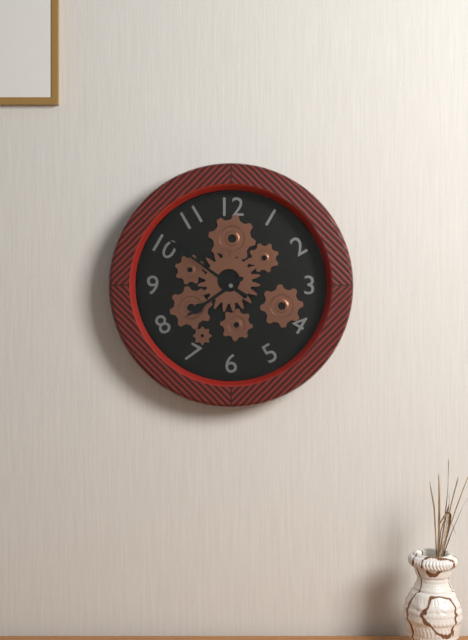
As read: 7:51
